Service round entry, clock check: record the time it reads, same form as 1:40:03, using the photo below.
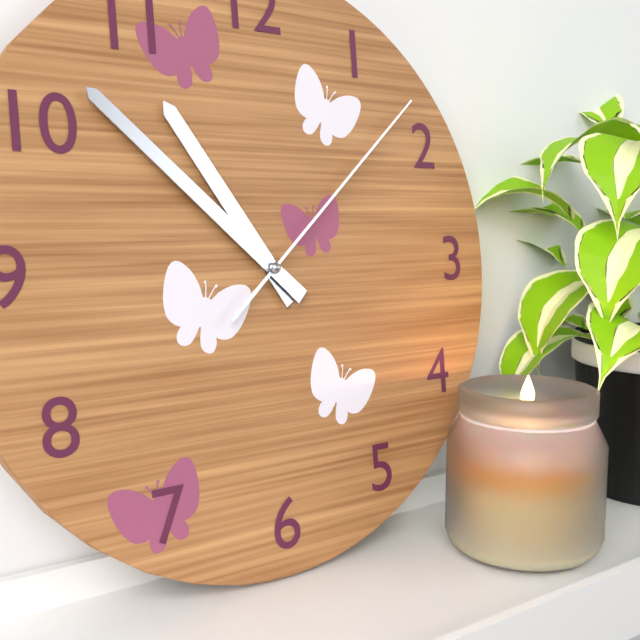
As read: 10:52:08
